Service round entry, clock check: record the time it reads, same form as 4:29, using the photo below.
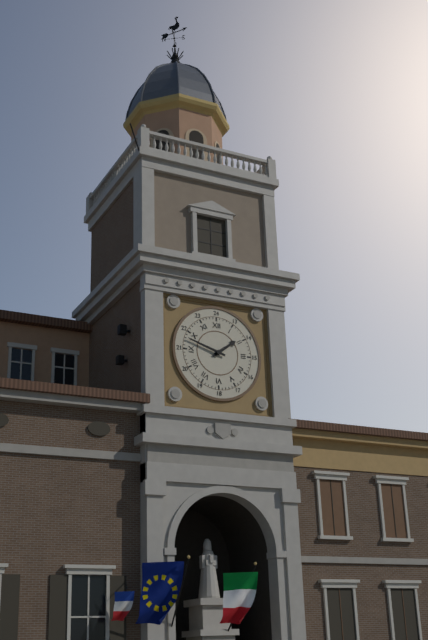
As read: 1:48
